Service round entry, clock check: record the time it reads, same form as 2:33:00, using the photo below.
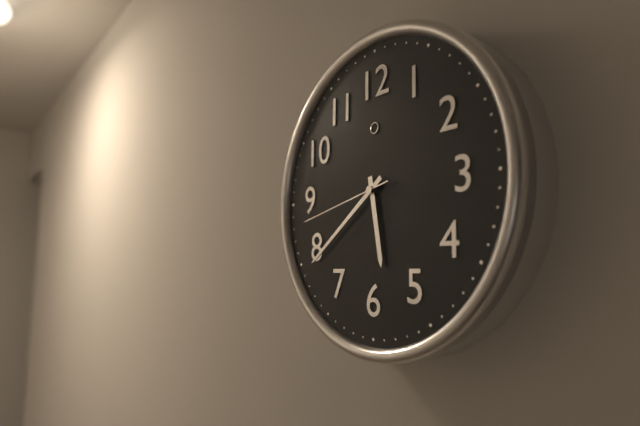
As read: 5:39:43
